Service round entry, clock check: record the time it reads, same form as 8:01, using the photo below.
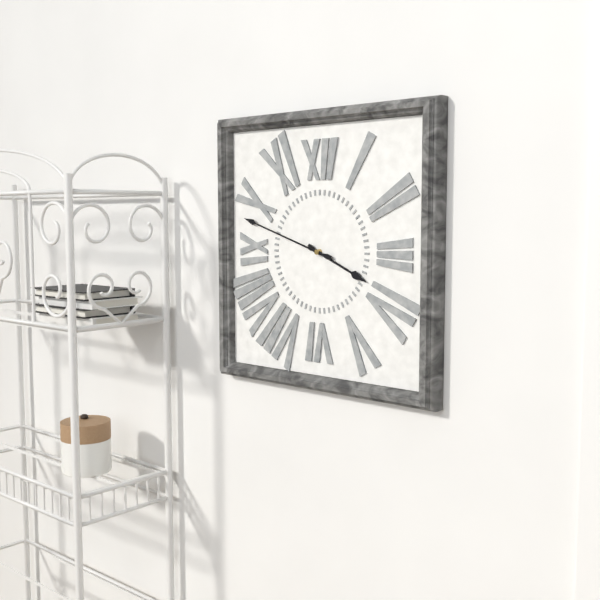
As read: 3:48
